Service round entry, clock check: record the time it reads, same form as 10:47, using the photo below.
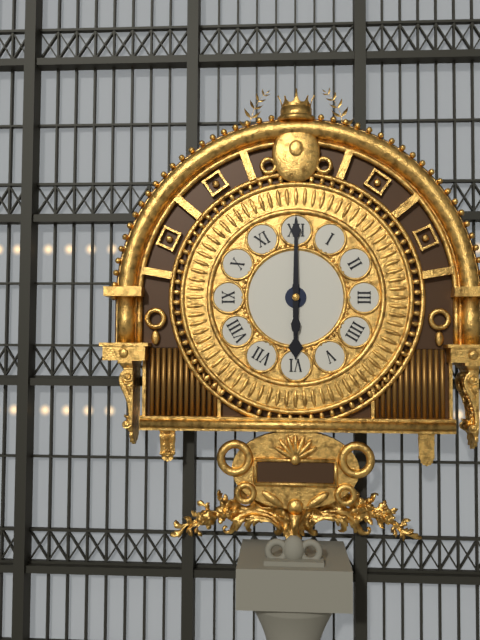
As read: 6:00
